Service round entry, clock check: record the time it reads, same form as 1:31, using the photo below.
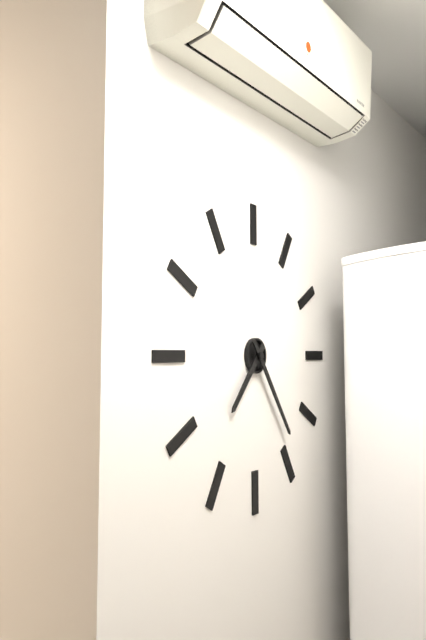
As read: 7:24
